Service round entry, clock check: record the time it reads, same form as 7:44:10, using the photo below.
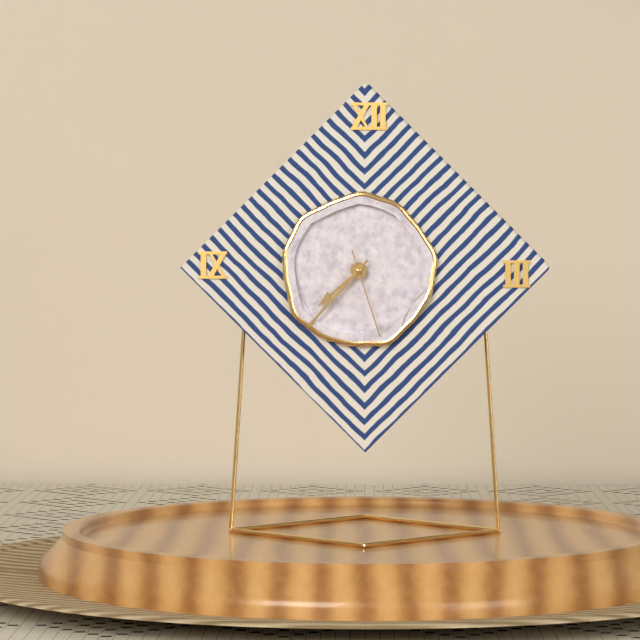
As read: 7:37:27
